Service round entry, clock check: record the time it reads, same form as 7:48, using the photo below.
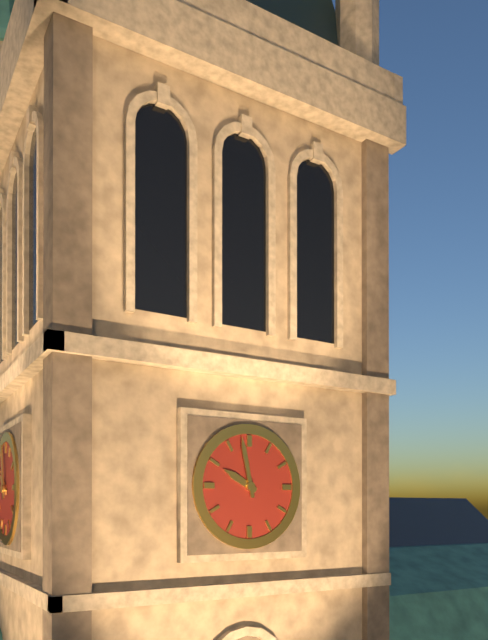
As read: 9:58
